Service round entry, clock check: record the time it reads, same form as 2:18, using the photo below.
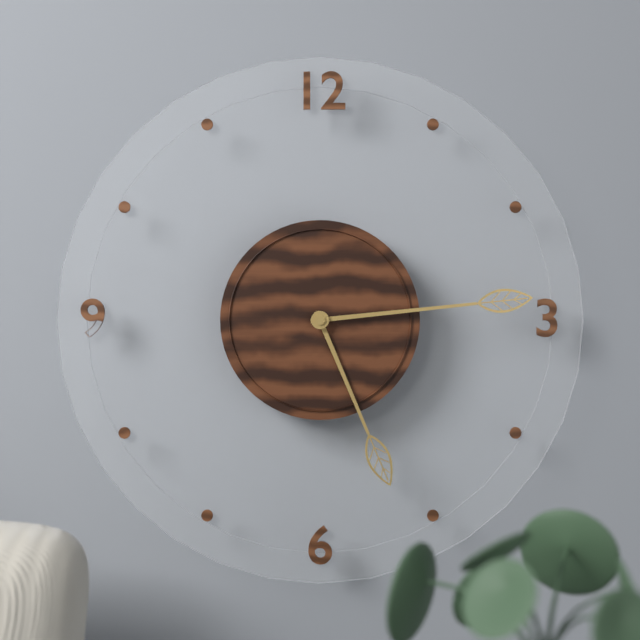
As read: 5:14
